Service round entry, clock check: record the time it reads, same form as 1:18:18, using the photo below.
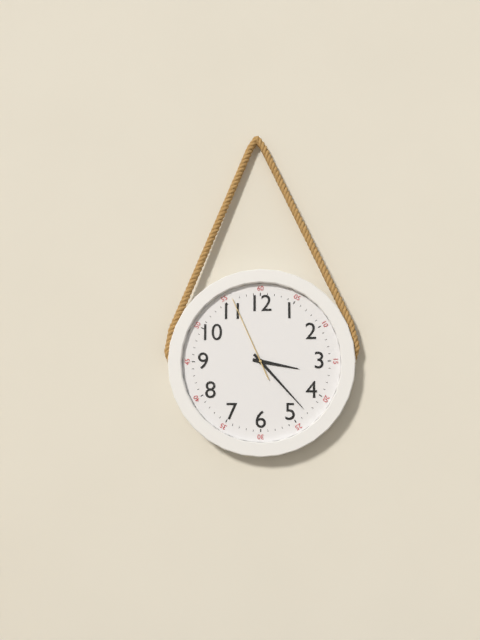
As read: 3:23:56
